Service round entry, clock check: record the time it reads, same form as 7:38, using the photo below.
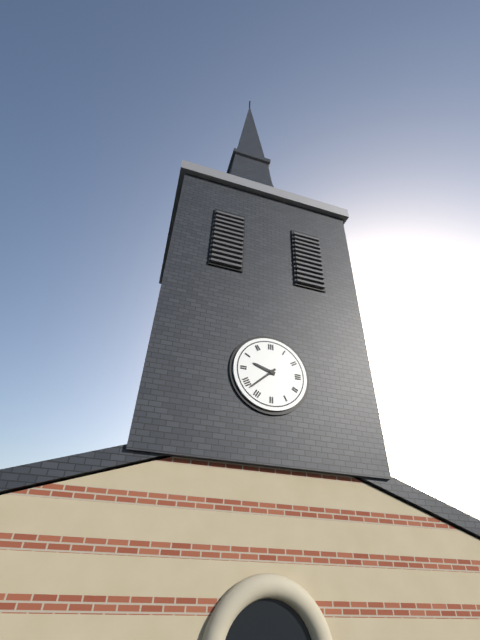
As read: 9:38
